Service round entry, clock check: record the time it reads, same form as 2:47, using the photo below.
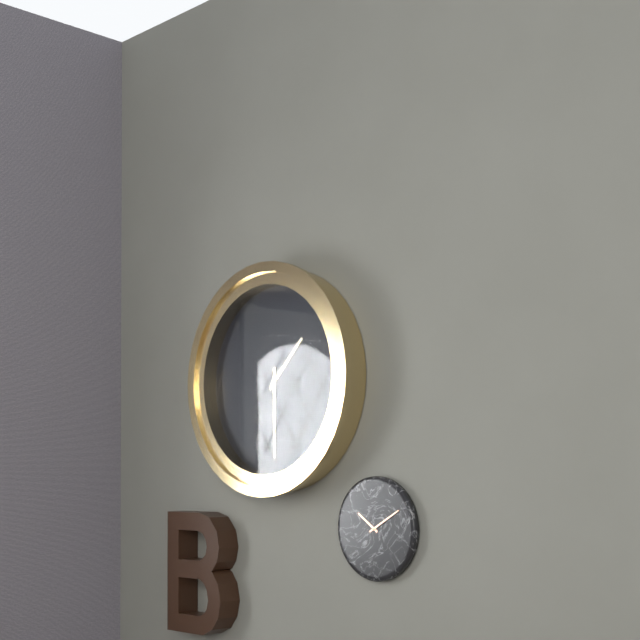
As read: 1:30
